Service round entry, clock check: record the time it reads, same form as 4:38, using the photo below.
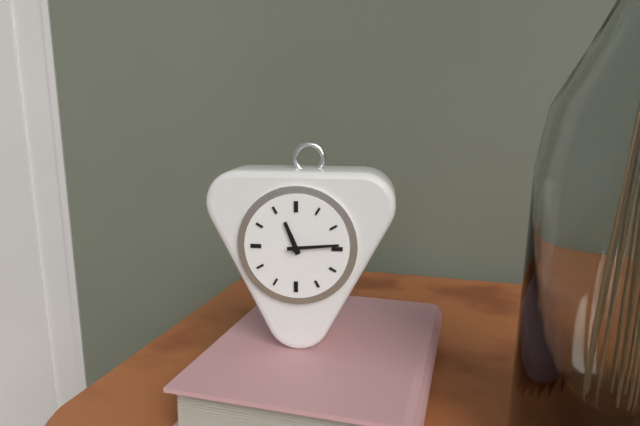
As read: 11:14
